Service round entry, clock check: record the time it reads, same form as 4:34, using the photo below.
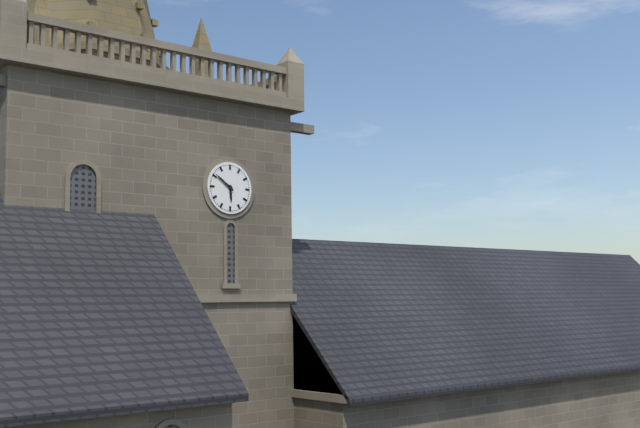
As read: 5:51
